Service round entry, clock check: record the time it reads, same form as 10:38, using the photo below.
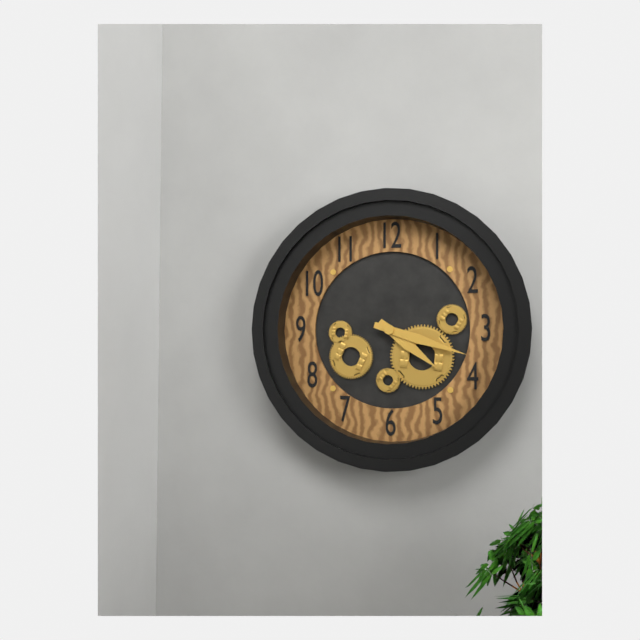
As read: 4:18
